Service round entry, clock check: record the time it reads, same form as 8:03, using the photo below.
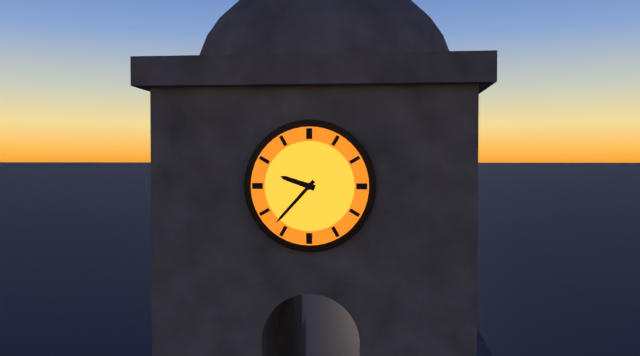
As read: 9:37
